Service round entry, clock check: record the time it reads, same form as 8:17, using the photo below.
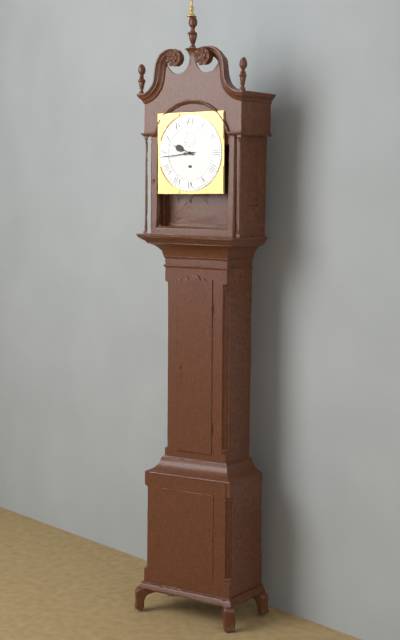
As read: 9:44
